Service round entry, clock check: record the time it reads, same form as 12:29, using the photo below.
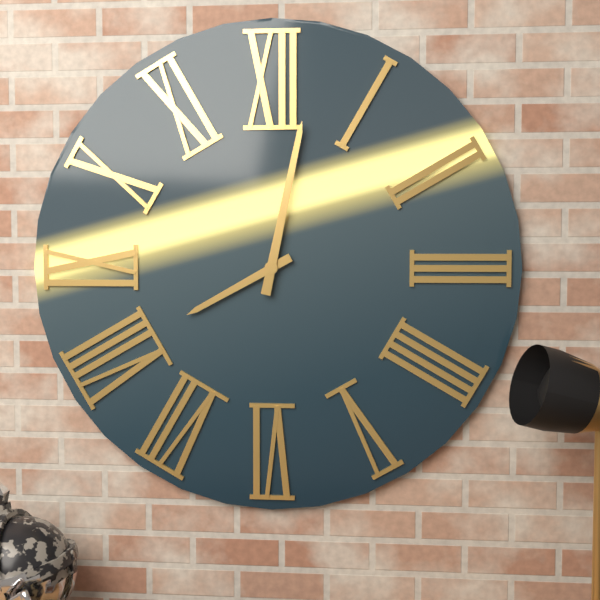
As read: 8:02
